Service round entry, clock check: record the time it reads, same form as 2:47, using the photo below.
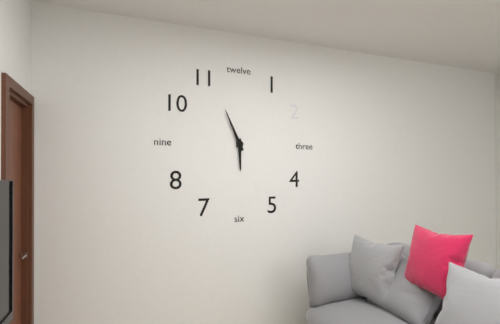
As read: 5:56
